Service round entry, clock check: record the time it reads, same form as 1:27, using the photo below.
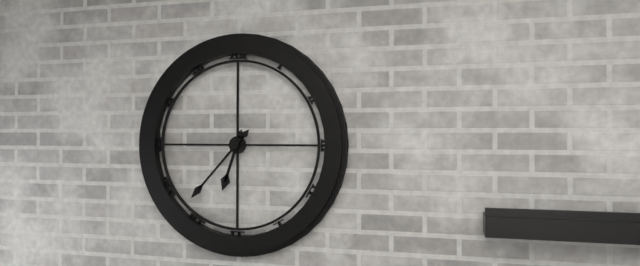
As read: 6:37
